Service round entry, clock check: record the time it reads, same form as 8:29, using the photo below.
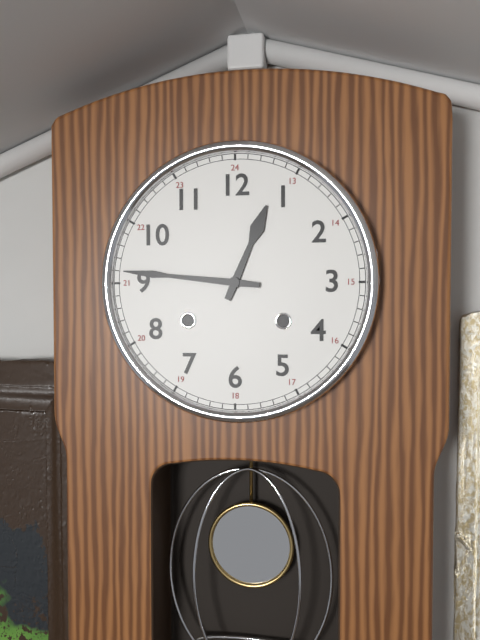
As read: 12:46
